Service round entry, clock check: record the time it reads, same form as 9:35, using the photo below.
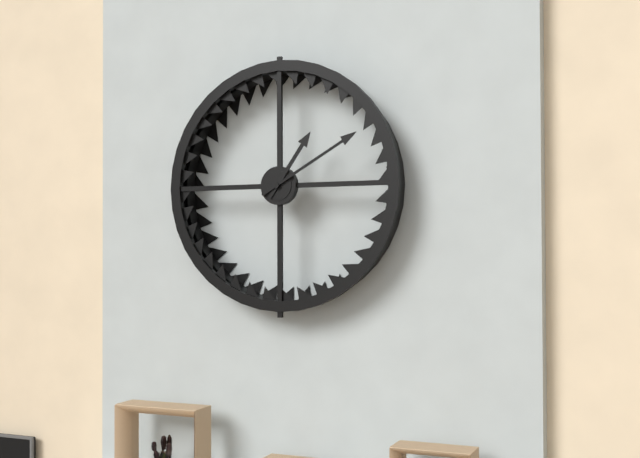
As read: 1:10
